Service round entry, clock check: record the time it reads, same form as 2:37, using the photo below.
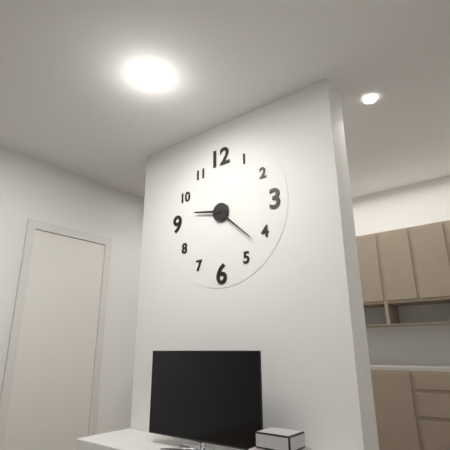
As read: 9:22
